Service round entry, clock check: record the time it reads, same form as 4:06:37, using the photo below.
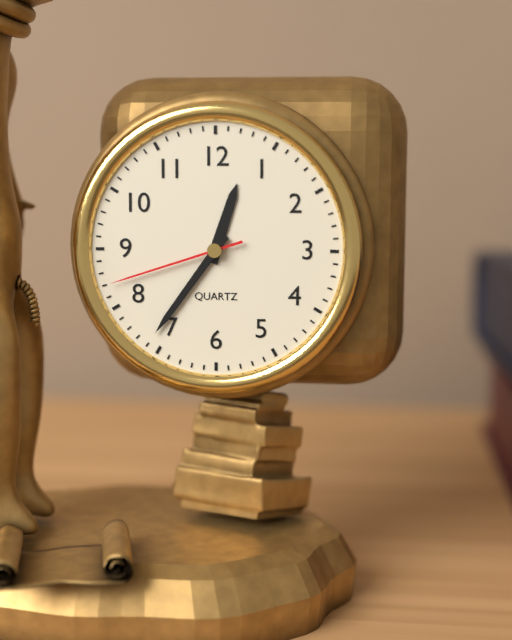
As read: 12:36:42
